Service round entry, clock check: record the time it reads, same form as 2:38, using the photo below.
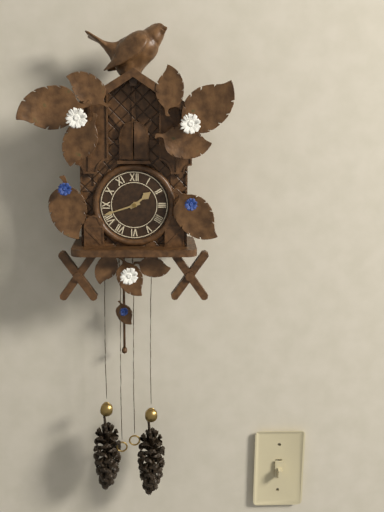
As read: 1:42
